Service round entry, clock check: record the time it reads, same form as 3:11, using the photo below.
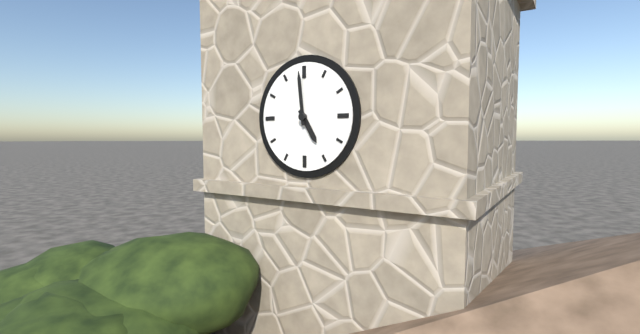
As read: 4:59
